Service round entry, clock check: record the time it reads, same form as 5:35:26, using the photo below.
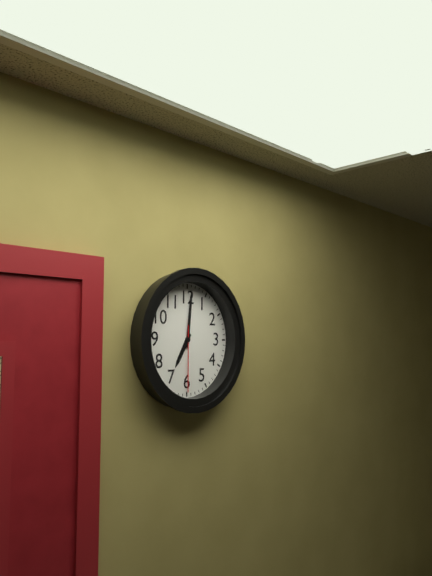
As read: 7:01:30
